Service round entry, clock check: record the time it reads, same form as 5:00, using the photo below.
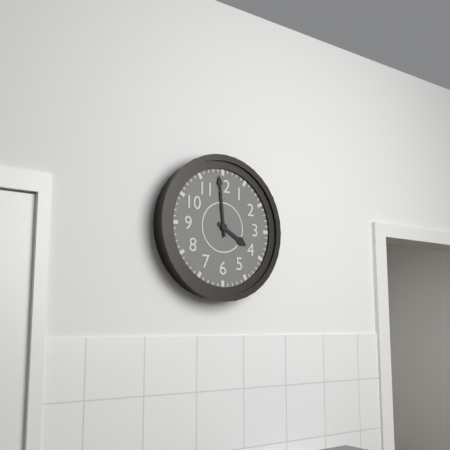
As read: 3:59
